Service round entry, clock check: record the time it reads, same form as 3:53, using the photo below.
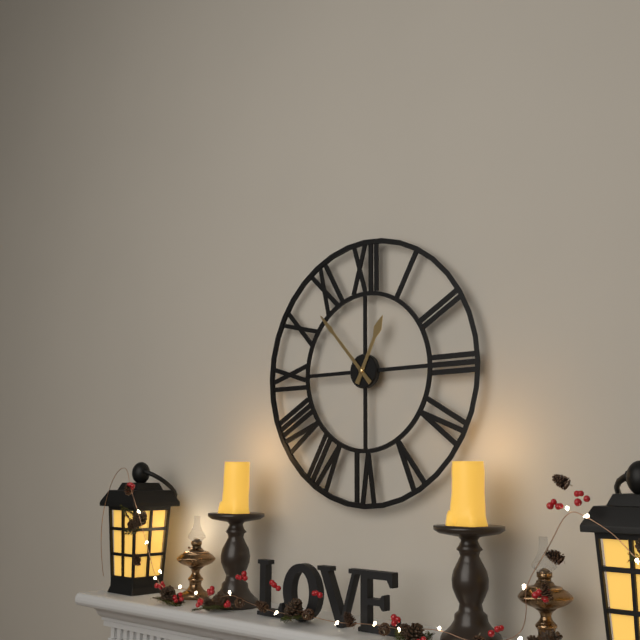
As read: 12:53
